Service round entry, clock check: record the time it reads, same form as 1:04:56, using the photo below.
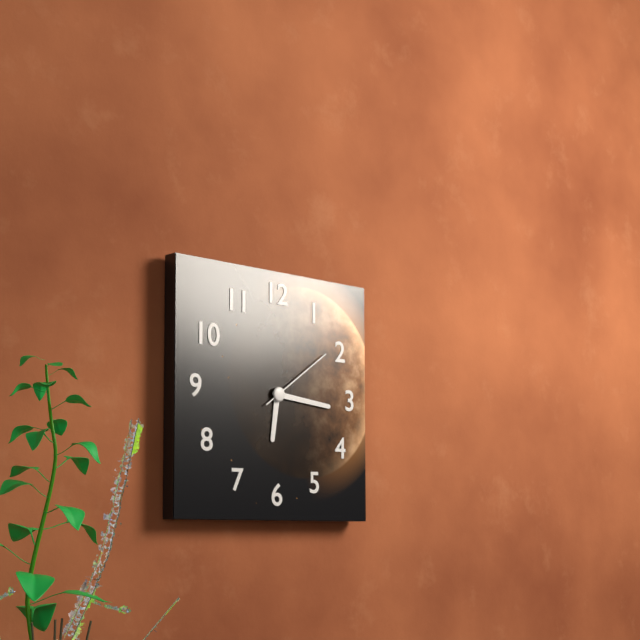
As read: 6:16:09
